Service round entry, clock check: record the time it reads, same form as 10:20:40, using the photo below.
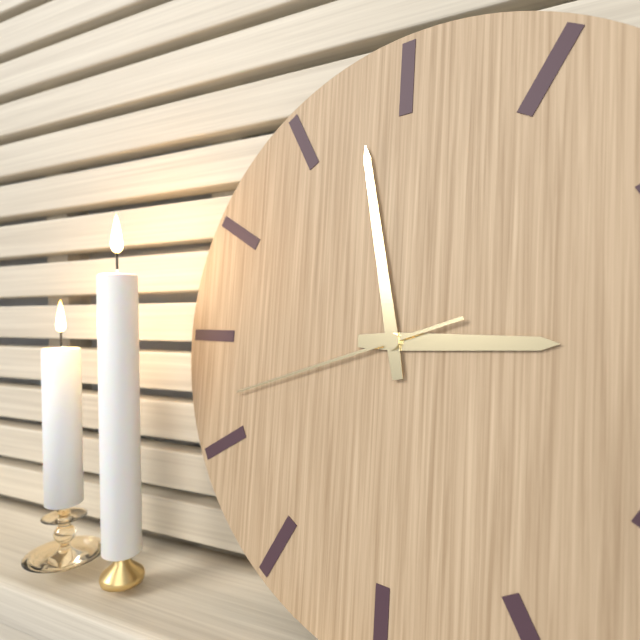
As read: 2:58:42
